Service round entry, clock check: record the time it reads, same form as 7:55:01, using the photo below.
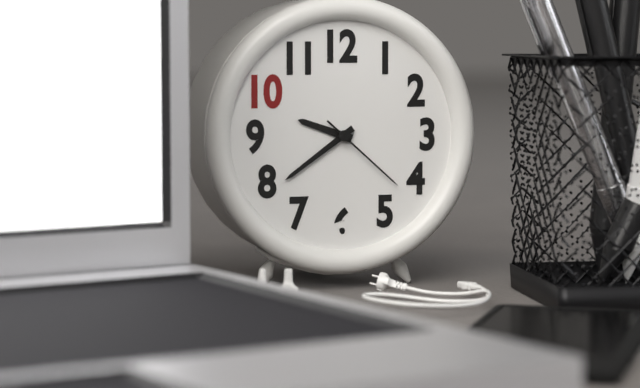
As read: 9:39:22
